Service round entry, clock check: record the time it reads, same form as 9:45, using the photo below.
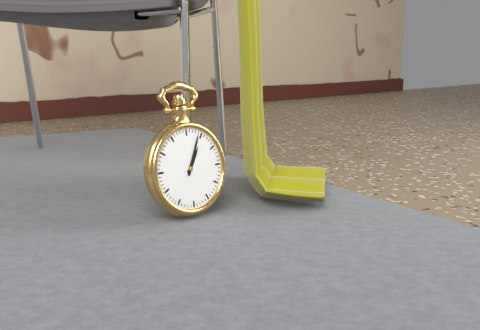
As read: 1:04
